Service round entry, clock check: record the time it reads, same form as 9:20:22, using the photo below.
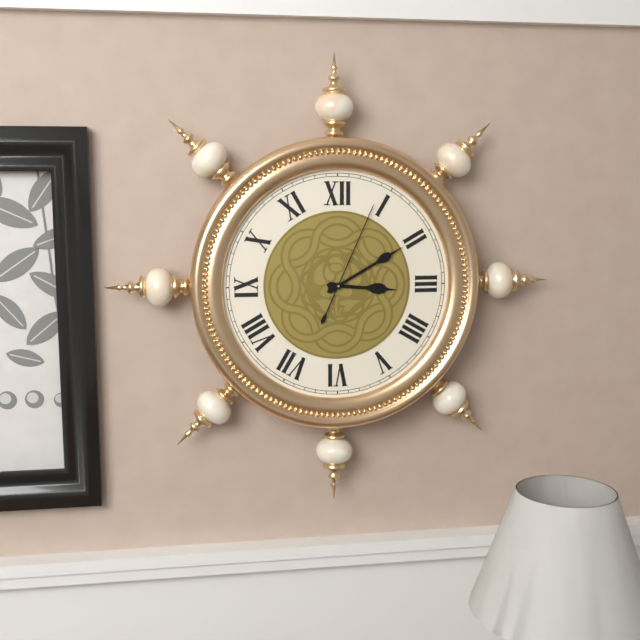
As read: 3:10:04
